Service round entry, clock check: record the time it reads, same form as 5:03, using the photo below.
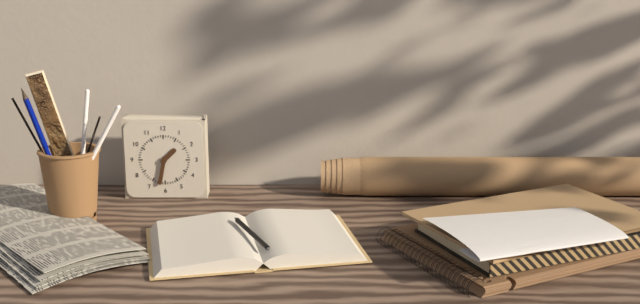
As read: 1:32
